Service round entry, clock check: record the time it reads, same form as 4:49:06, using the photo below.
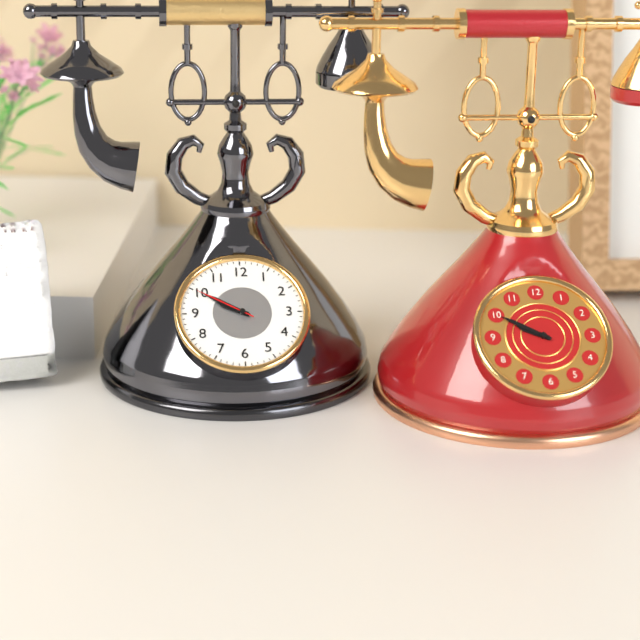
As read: 9:50:50
